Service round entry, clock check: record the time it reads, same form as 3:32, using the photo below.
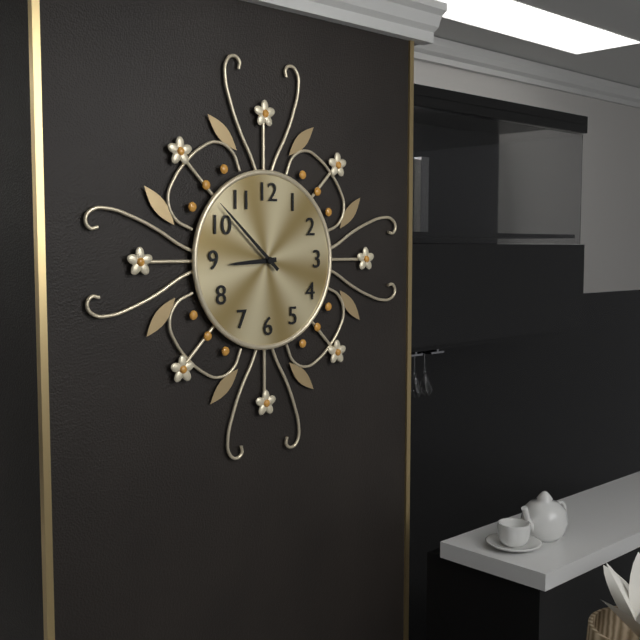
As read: 8:52
